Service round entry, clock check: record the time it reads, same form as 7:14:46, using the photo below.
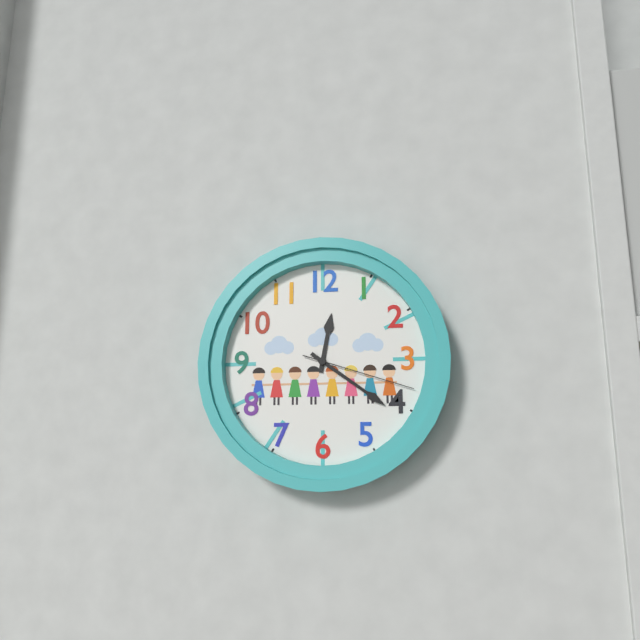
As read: 12:21:18
